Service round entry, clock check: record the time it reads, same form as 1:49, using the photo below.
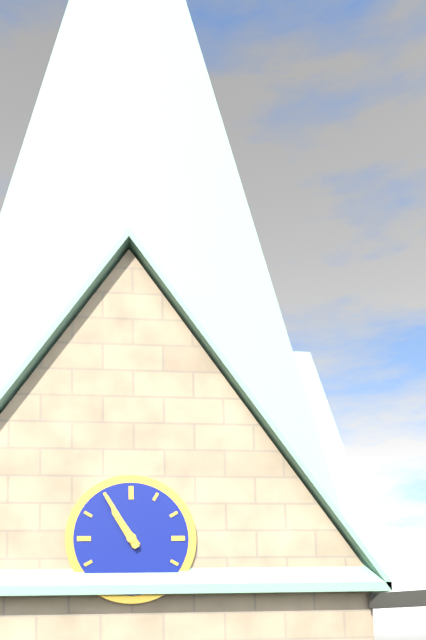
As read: 10:55
